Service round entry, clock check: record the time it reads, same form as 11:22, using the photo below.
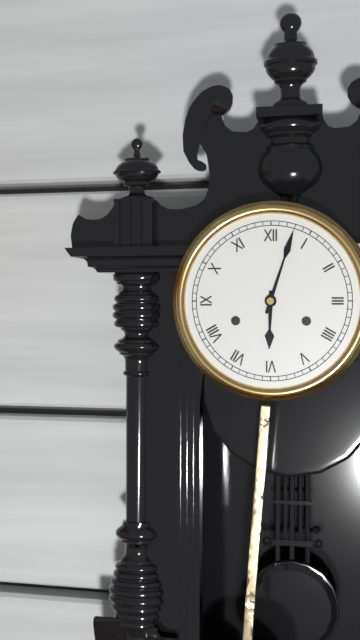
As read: 6:03
